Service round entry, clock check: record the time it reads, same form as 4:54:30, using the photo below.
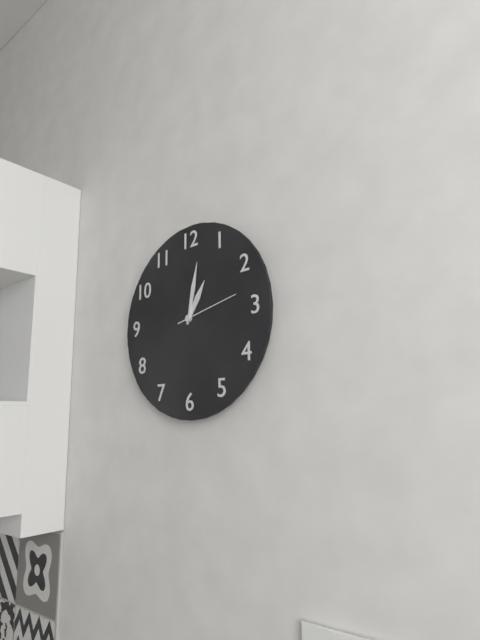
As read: 1:02:13
